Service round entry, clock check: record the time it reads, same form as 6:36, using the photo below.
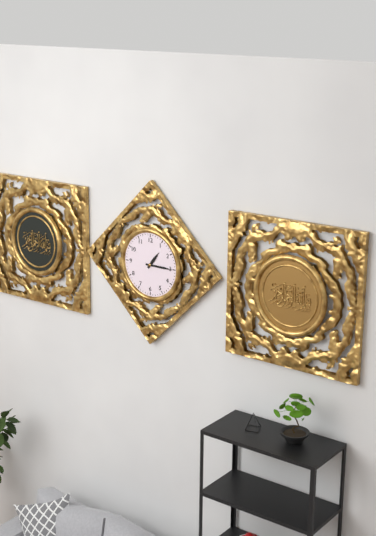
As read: 1:15
